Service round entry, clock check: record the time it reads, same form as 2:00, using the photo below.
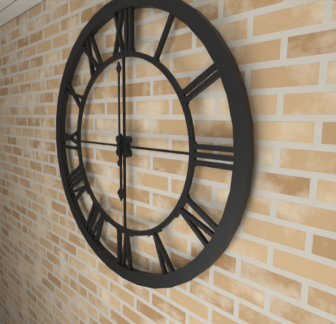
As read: 6:00
